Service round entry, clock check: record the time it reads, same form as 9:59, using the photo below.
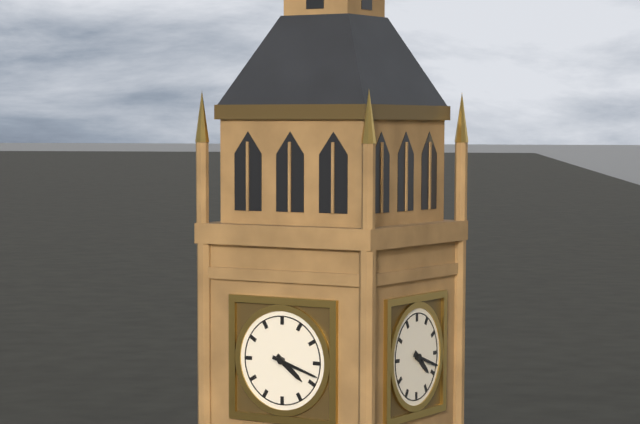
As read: 4:18
